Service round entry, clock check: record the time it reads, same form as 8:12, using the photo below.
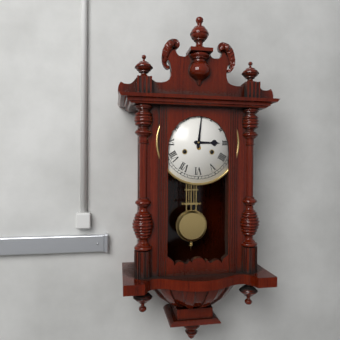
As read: 3:01
